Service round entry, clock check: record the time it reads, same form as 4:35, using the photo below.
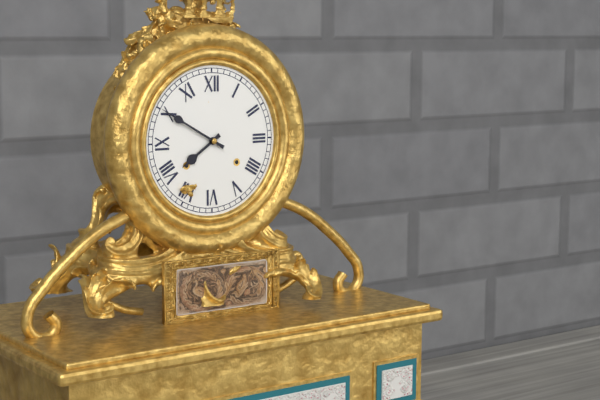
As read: 7:50
